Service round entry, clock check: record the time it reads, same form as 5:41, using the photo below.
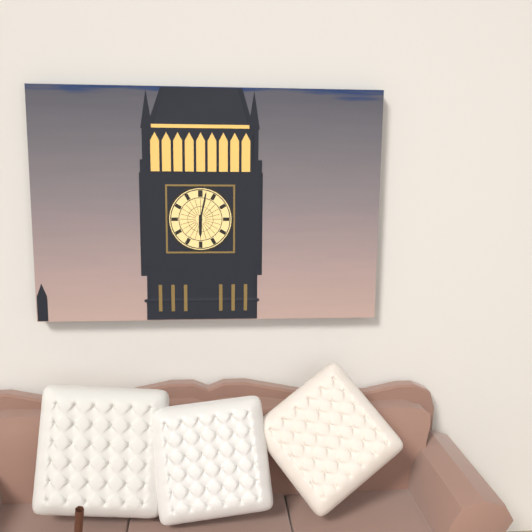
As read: 6:02
